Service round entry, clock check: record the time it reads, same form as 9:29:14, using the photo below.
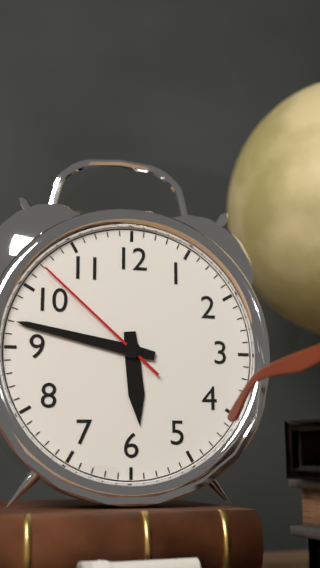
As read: 5:47:52
